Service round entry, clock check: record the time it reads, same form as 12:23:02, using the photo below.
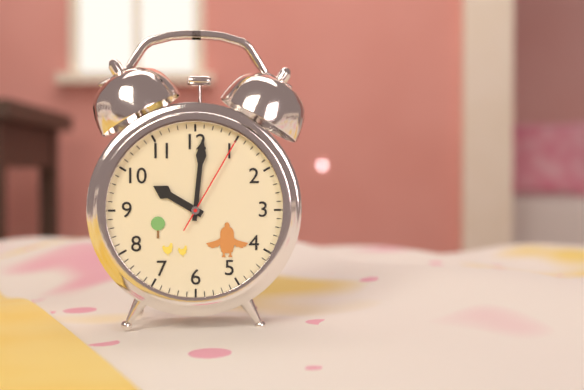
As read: 10:01:05
